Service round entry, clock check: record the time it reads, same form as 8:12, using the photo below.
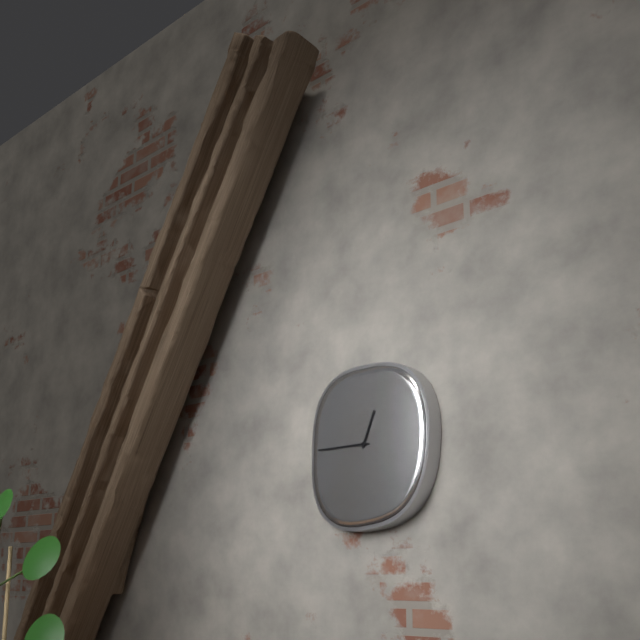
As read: 12:45
